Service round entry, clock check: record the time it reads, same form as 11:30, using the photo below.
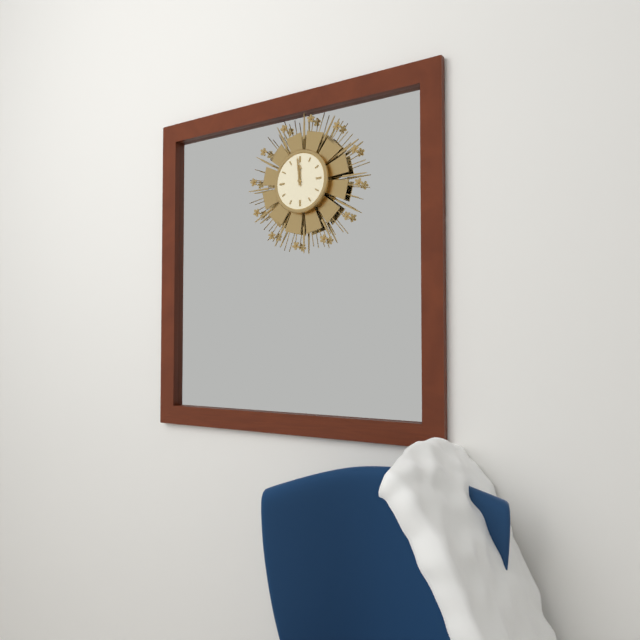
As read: 11:59
